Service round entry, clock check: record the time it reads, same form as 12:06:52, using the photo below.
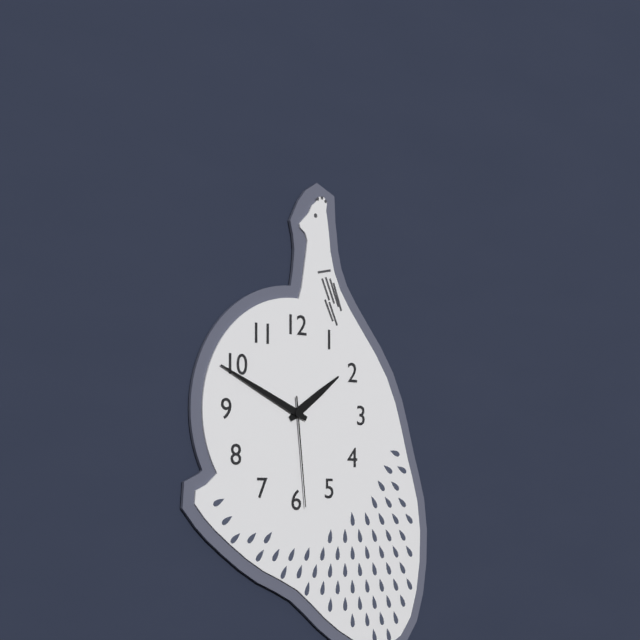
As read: 1:49:29
